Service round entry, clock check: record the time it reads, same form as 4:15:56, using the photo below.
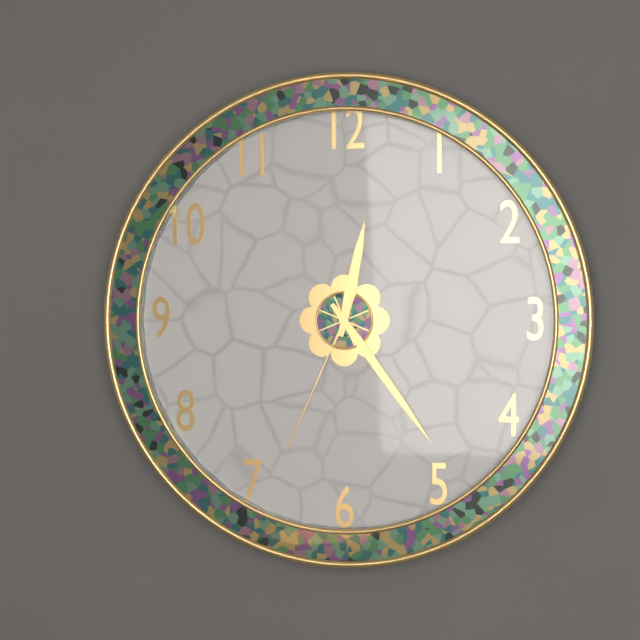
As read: 12:24:34
